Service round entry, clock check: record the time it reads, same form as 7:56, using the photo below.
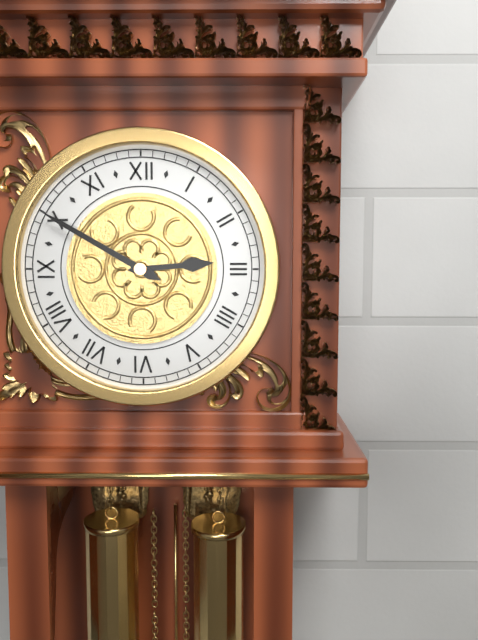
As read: 2:50
